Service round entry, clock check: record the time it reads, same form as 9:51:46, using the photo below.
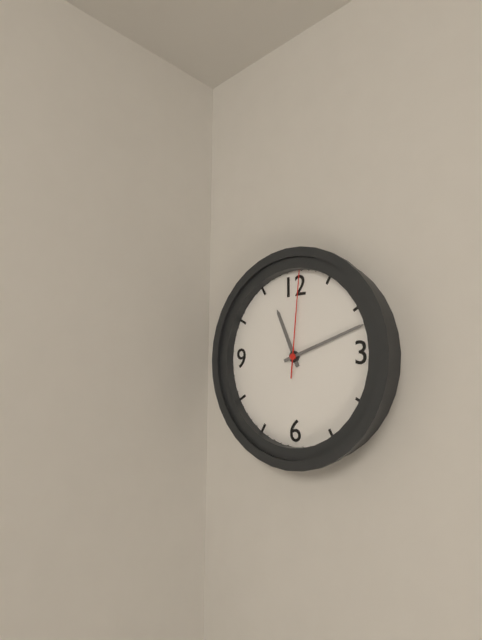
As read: 11:12:01
